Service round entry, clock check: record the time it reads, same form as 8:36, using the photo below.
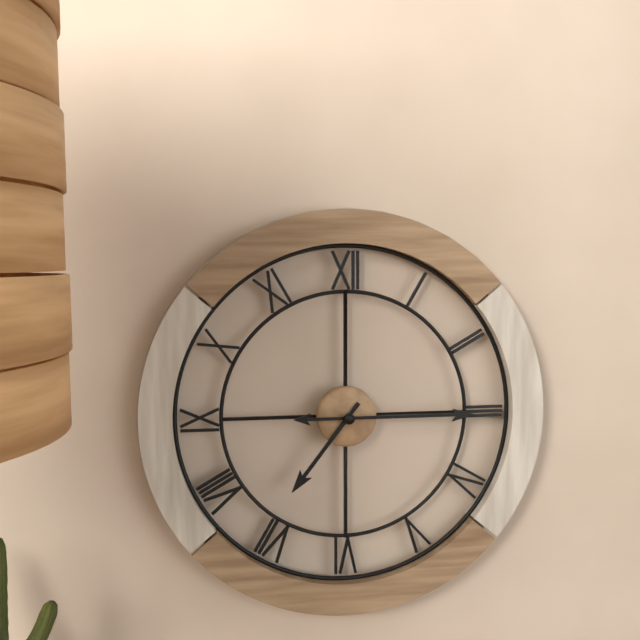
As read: 7:15
